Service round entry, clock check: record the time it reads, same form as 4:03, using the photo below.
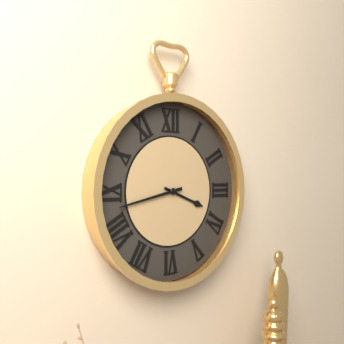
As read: 3:43
